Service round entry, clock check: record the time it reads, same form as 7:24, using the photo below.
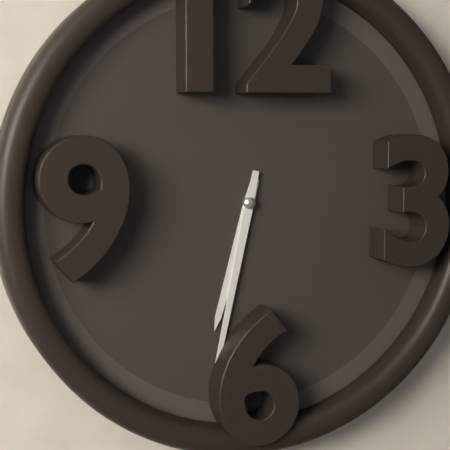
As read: 6:32
